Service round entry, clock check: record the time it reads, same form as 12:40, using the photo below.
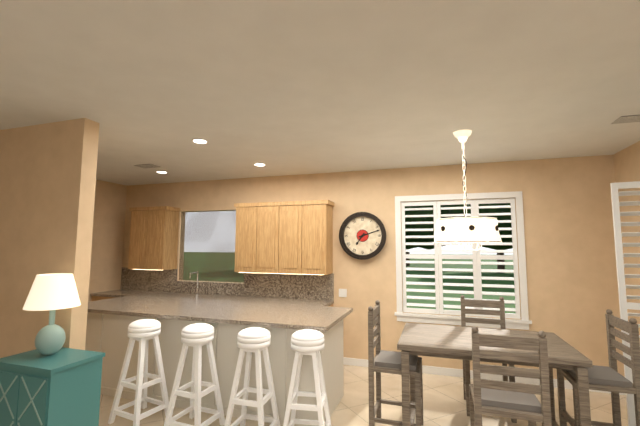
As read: 7:12
